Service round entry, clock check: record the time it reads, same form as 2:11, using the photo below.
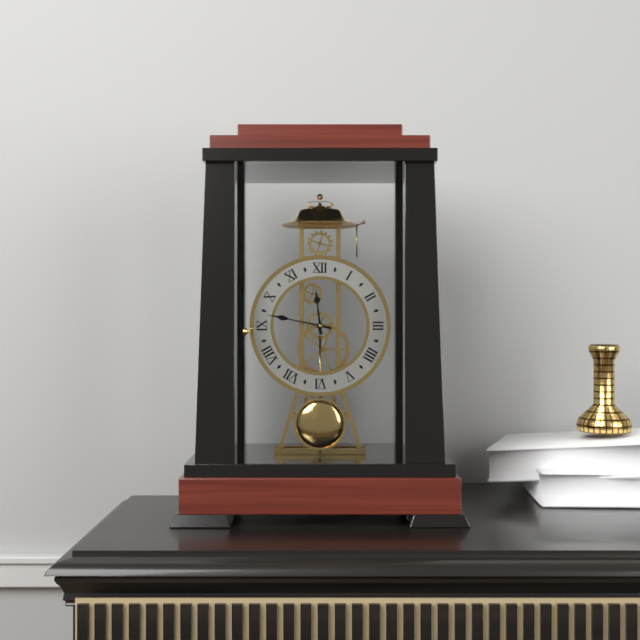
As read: 11:47
